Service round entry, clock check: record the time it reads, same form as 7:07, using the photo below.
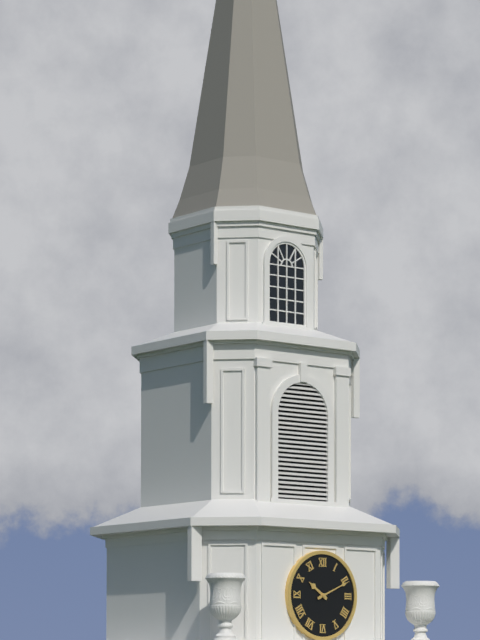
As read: 10:11
